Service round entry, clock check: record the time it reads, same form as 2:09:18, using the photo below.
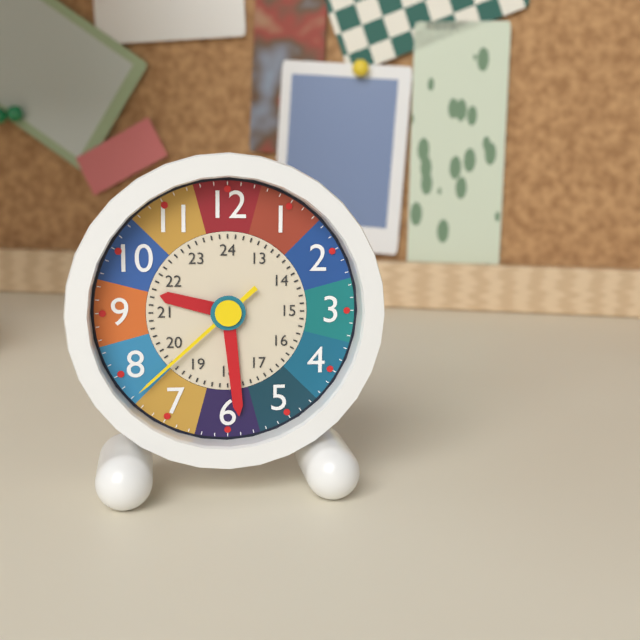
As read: 9:29:38
